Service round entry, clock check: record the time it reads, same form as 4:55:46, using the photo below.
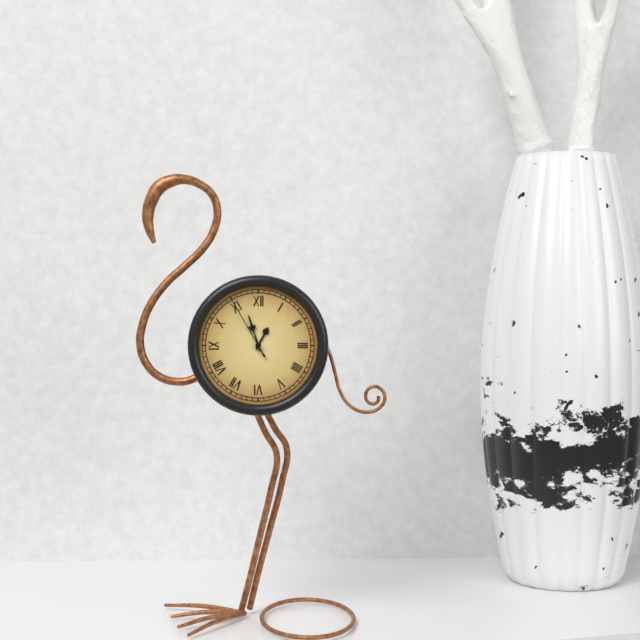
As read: 12:57:55
